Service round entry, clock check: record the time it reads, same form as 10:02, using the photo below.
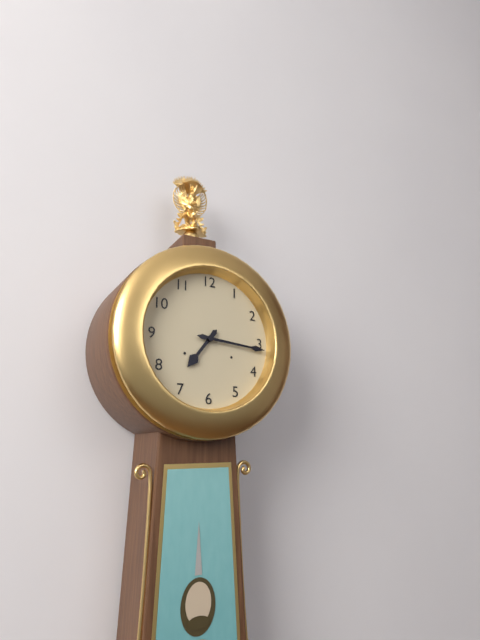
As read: 7:16
